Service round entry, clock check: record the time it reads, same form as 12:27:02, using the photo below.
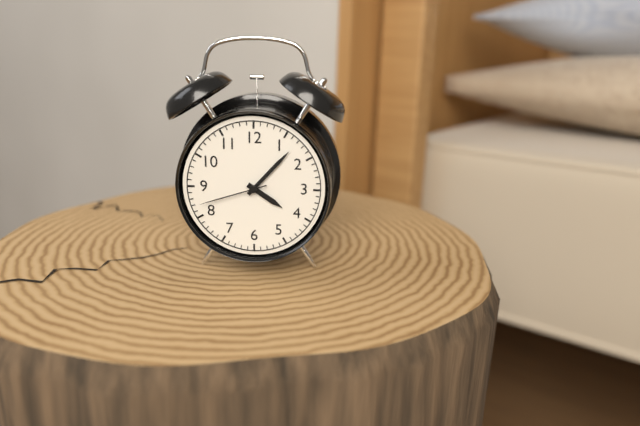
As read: 4:07:42
